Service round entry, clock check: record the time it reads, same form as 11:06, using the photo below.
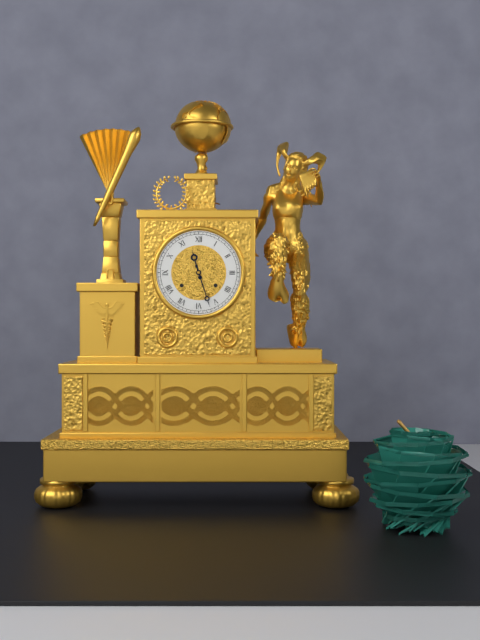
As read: 11:27
